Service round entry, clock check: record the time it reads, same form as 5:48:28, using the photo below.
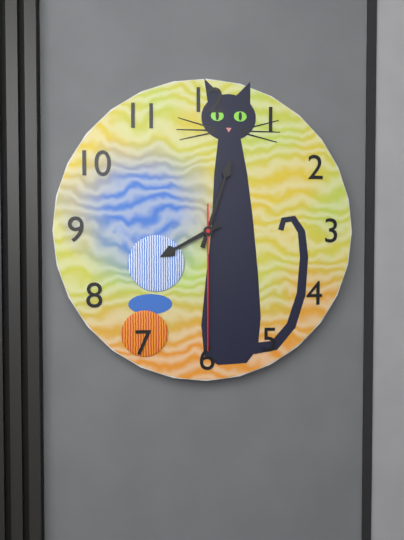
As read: 8:03:30
